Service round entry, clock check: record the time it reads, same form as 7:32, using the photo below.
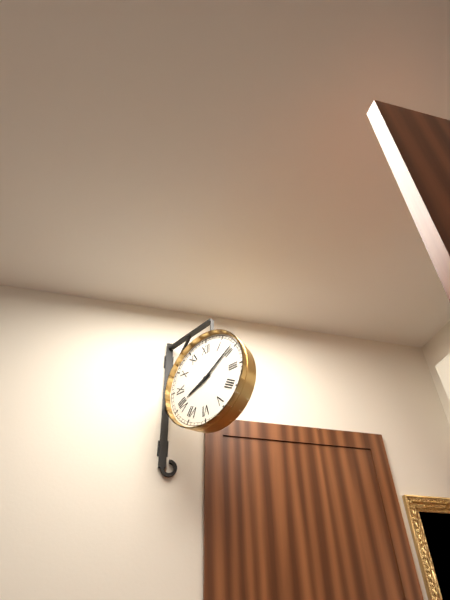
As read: 8:09
